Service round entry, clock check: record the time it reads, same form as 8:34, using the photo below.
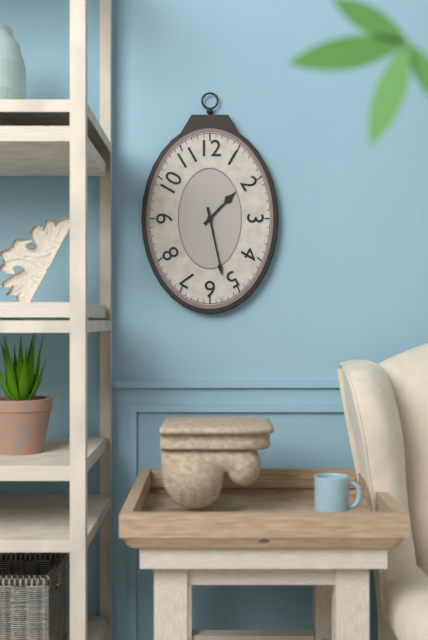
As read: 1:28
